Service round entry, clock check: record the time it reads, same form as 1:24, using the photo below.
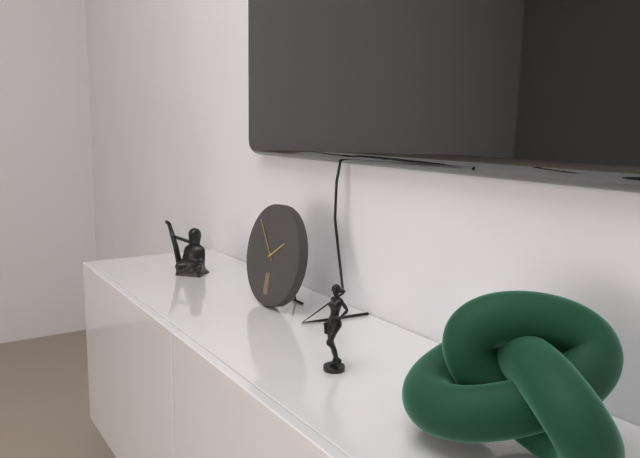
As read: 1:53
